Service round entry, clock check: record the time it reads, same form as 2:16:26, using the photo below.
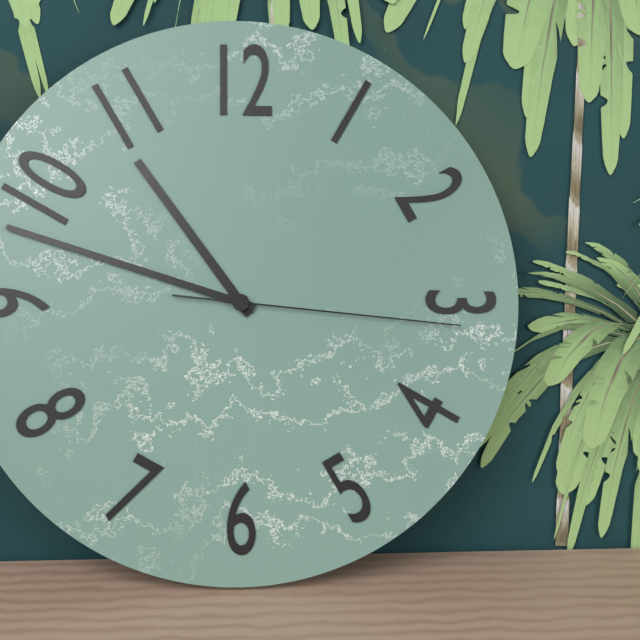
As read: 10:48:16
